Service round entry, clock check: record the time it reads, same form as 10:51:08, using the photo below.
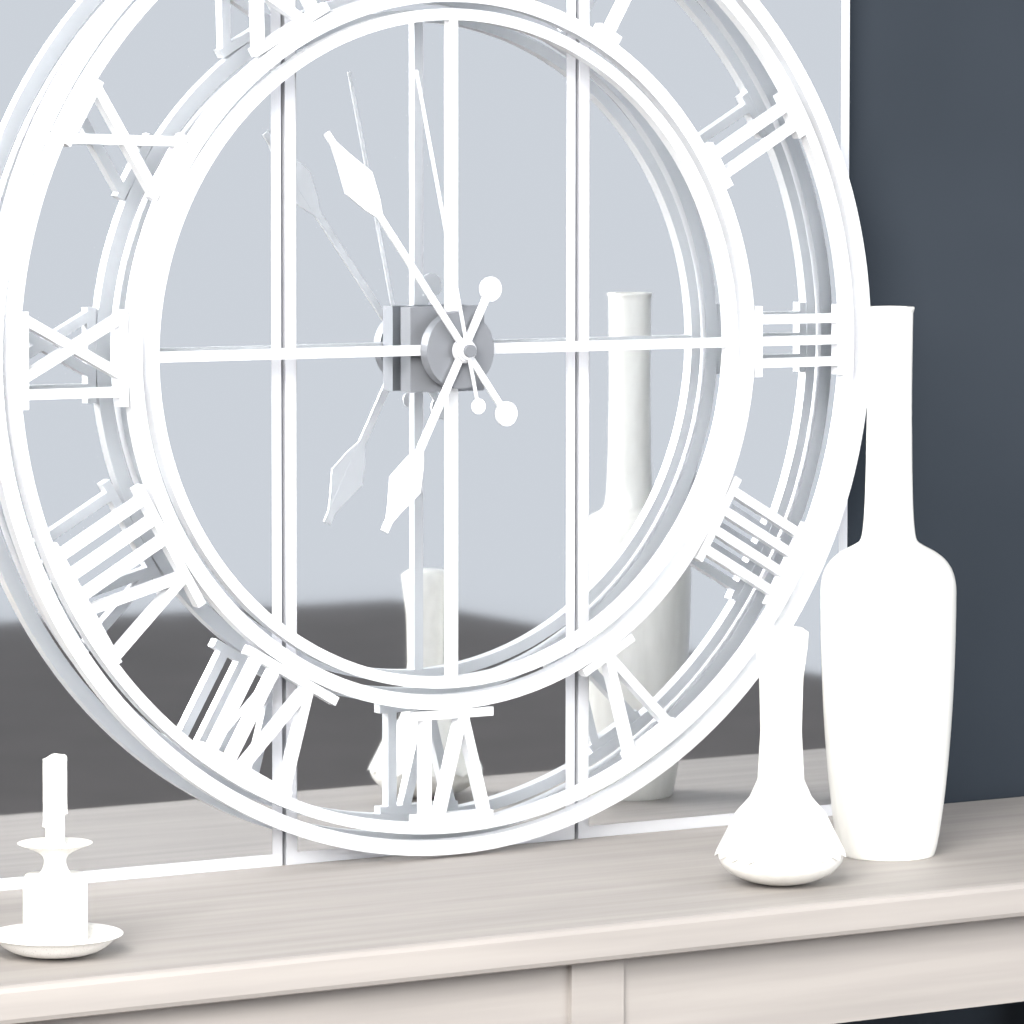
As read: 6:54:58
